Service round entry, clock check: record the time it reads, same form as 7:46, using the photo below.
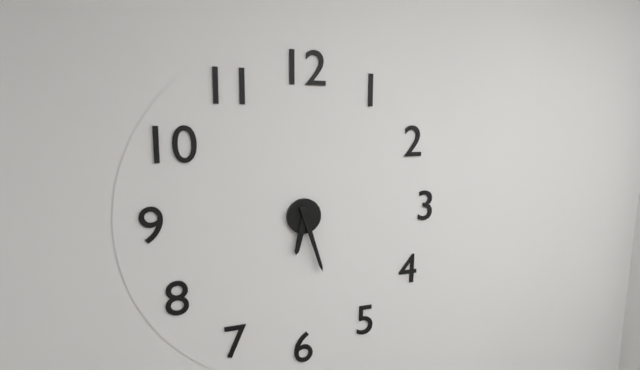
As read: 6:27
